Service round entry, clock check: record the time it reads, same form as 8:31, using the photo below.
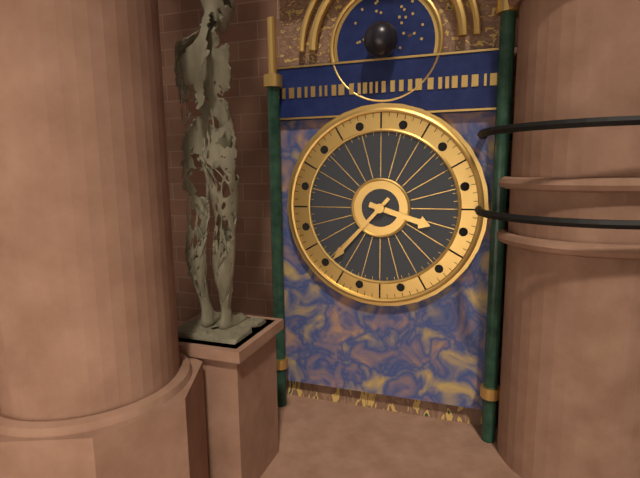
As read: 3:37
